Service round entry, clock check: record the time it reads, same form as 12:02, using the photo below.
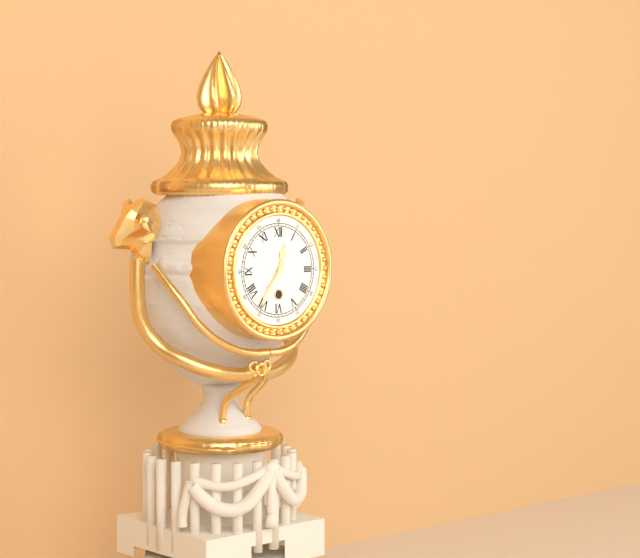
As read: 12:36
